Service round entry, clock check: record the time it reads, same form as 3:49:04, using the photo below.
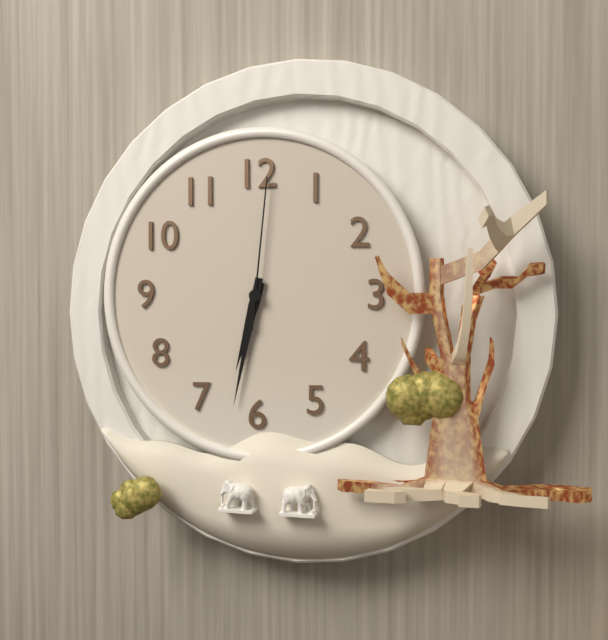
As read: 6:32:01
